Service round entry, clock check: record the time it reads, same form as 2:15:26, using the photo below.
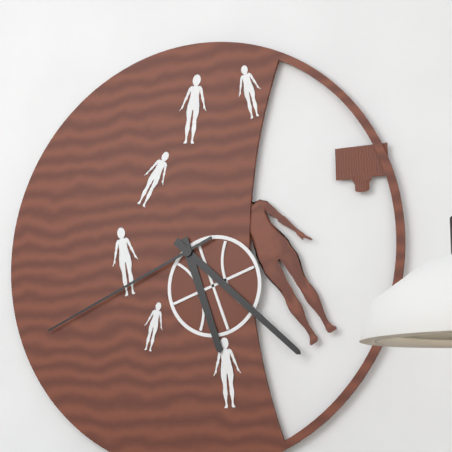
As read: 5:22:41
